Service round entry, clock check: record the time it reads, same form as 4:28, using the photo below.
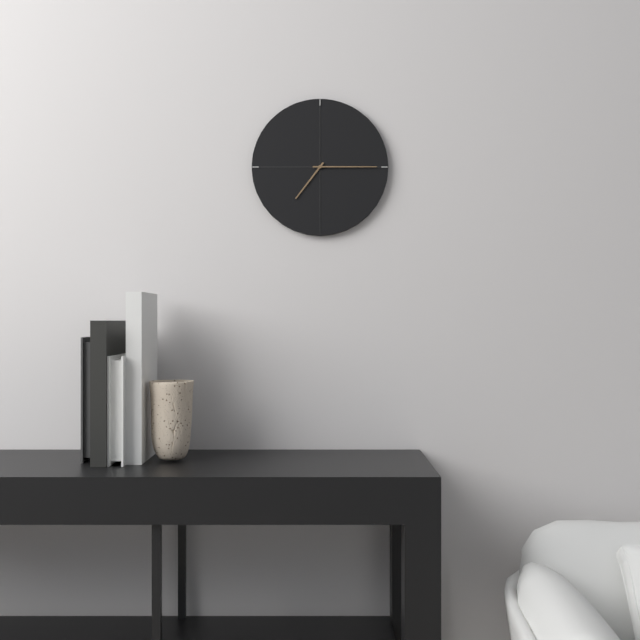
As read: 7:15
